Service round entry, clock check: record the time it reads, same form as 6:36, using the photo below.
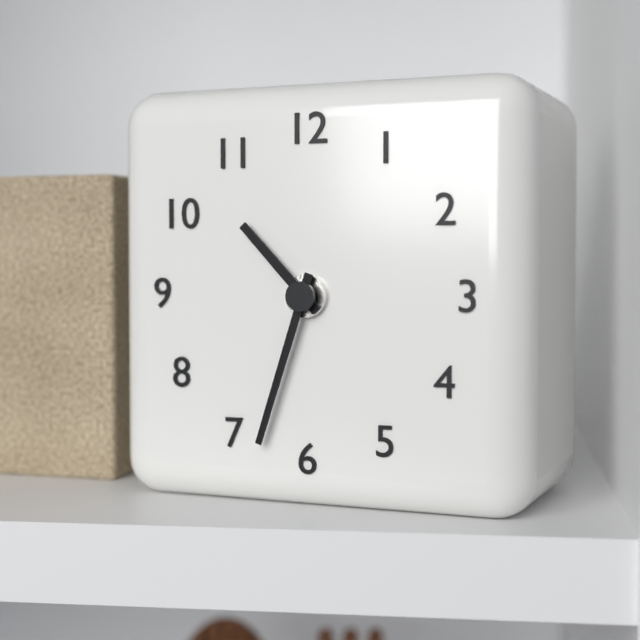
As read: 10:33
